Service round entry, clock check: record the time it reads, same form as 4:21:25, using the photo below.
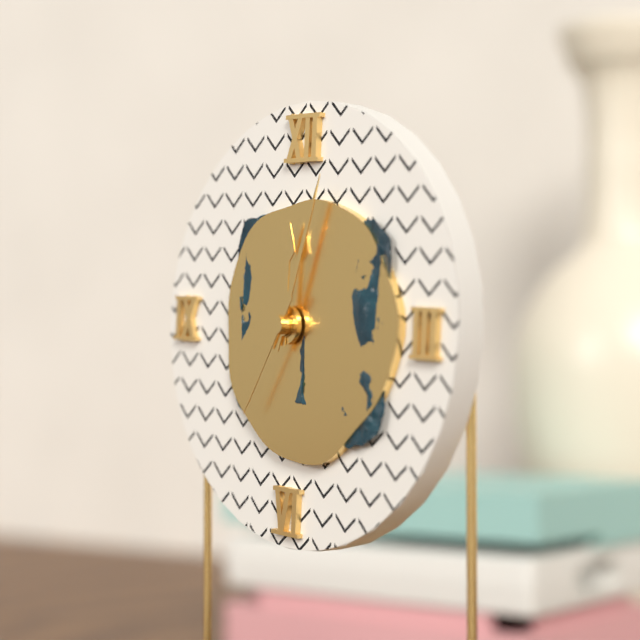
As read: 12:03:35
